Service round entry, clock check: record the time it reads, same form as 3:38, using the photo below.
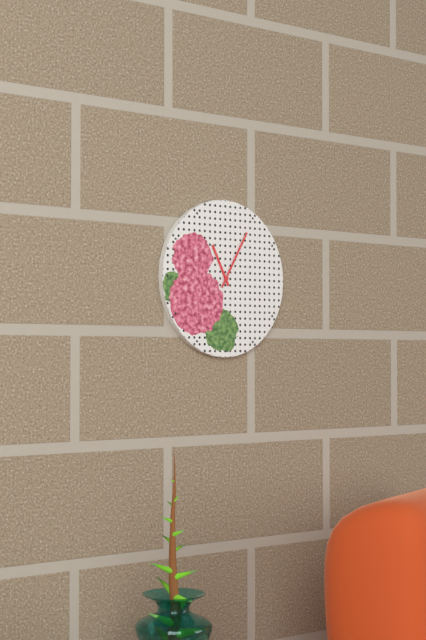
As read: 11:05
